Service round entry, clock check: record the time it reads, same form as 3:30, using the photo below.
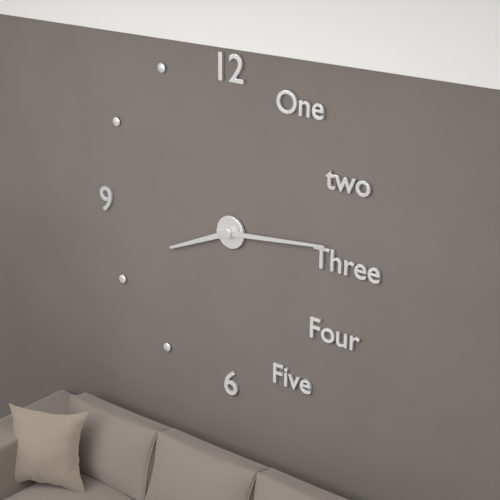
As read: 8:14
